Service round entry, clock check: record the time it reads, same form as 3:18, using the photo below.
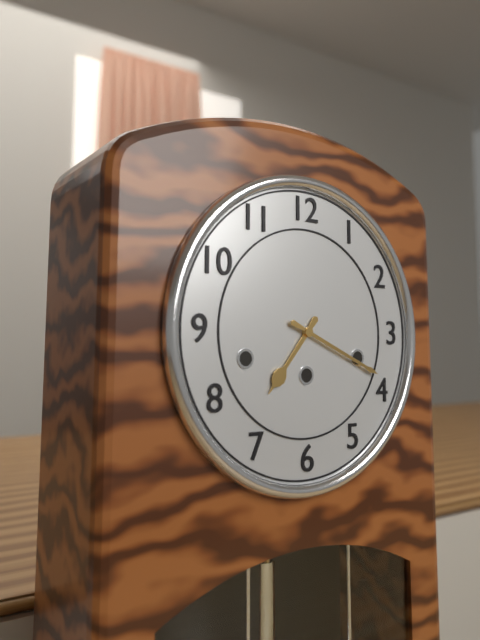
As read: 7:19
